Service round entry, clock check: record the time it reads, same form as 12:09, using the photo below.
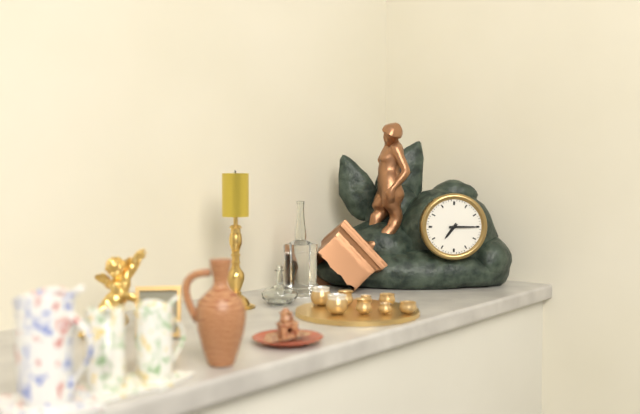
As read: 7:15
